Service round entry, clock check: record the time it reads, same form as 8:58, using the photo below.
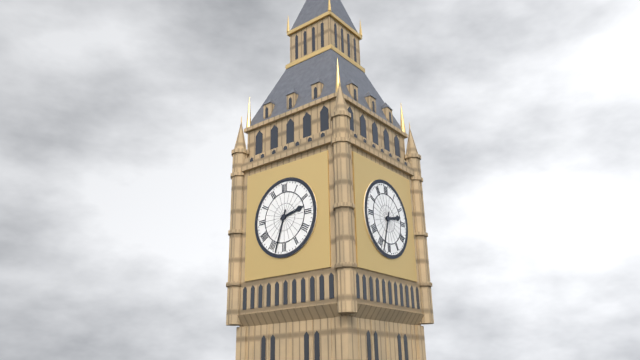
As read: 2:33
